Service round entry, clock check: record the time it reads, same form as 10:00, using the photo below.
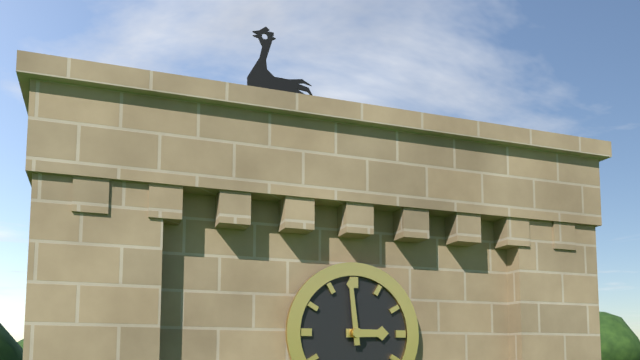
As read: 2:59
